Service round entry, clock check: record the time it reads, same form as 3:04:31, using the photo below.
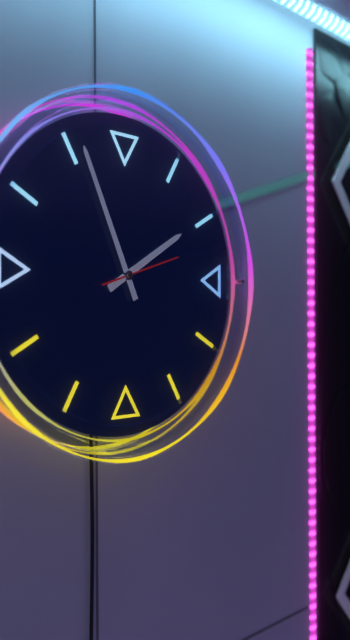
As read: 1:56:12
